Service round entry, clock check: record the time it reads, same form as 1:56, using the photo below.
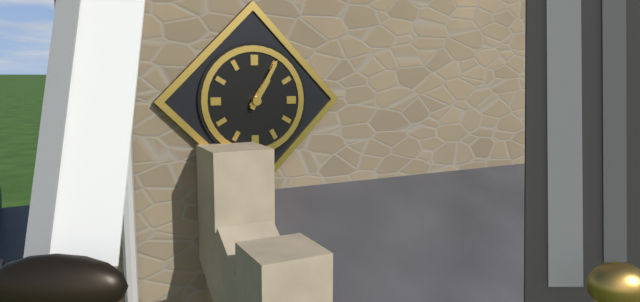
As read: 1:05
